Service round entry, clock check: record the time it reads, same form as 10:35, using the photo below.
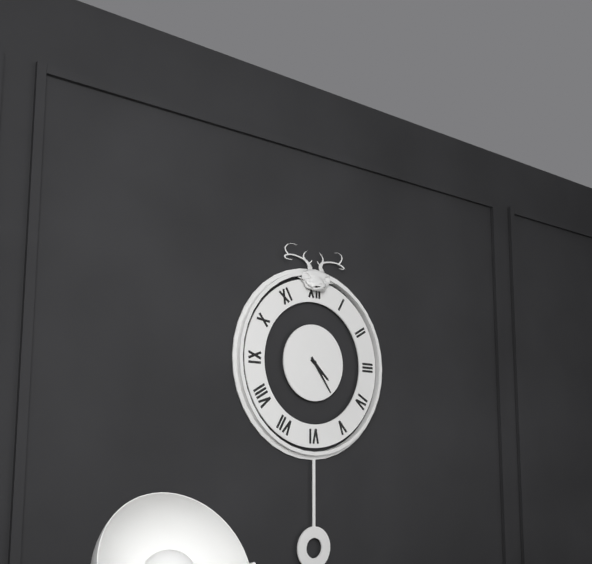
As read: 4:24
